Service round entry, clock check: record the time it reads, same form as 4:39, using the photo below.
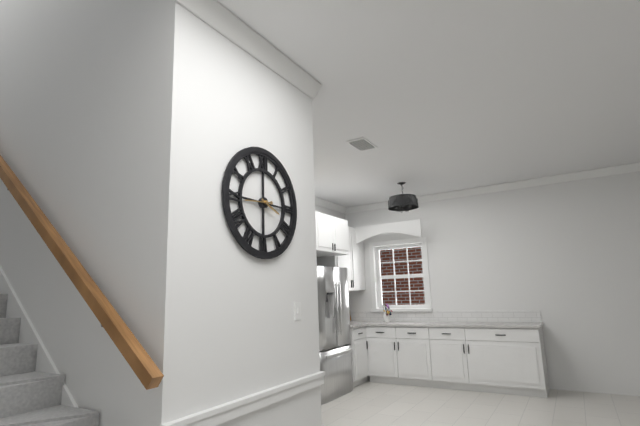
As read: 3:44
